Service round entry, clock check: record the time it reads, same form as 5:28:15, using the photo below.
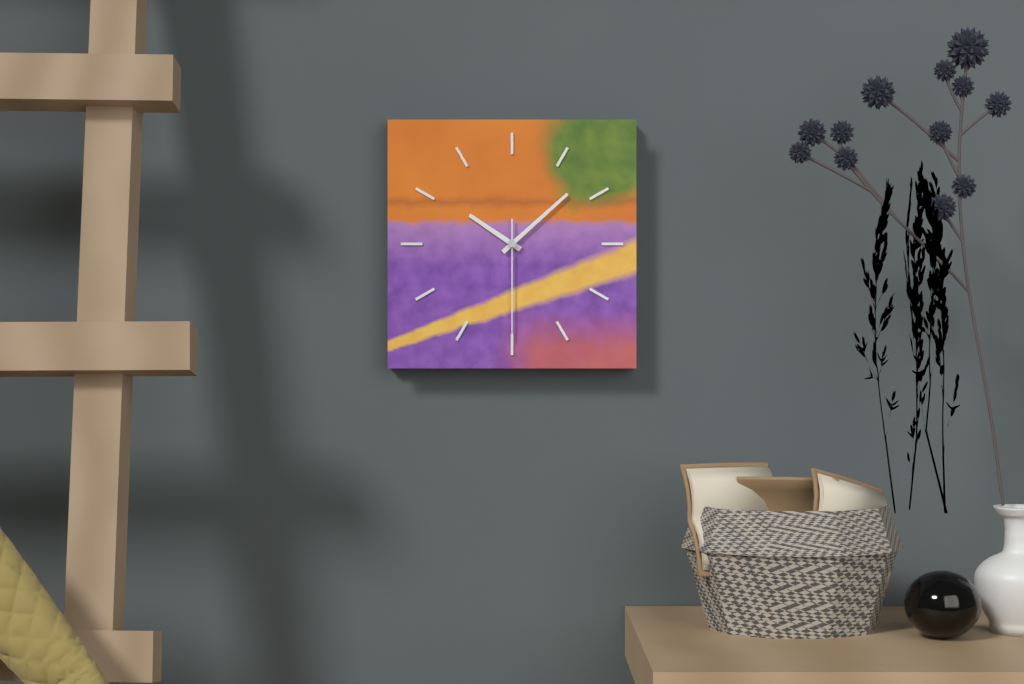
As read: 10:08:30
